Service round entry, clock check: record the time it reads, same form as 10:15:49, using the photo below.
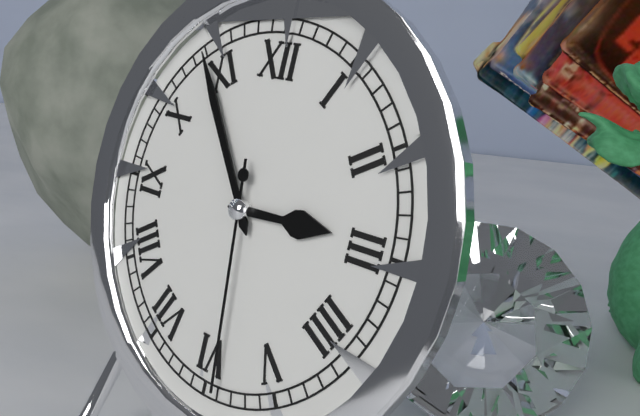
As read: 2:54:29
